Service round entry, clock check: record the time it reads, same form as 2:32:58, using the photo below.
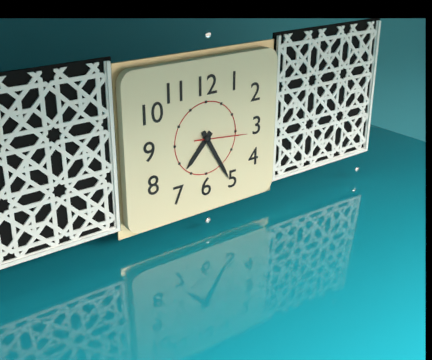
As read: 7:25:16
